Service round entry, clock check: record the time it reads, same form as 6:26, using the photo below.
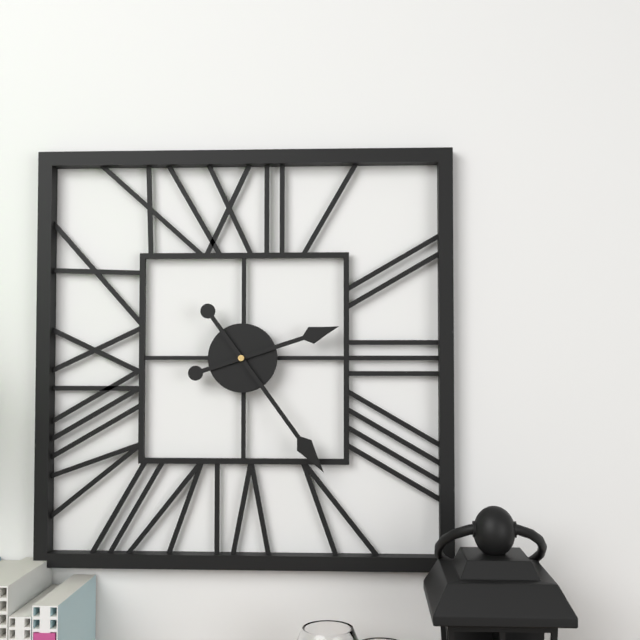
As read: 2:24
